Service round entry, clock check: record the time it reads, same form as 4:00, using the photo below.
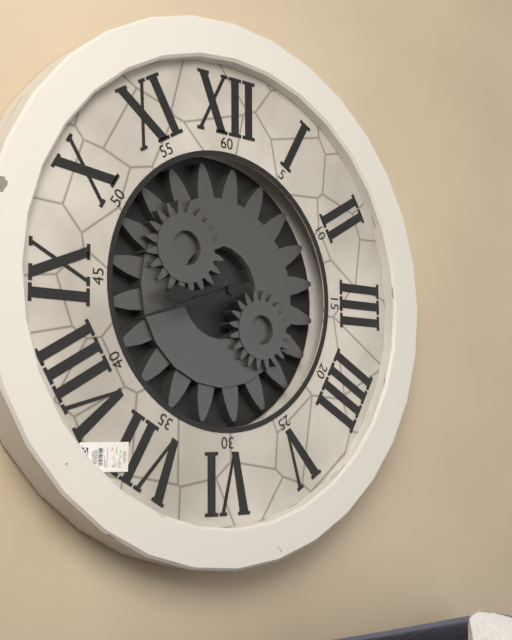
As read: 8:42
